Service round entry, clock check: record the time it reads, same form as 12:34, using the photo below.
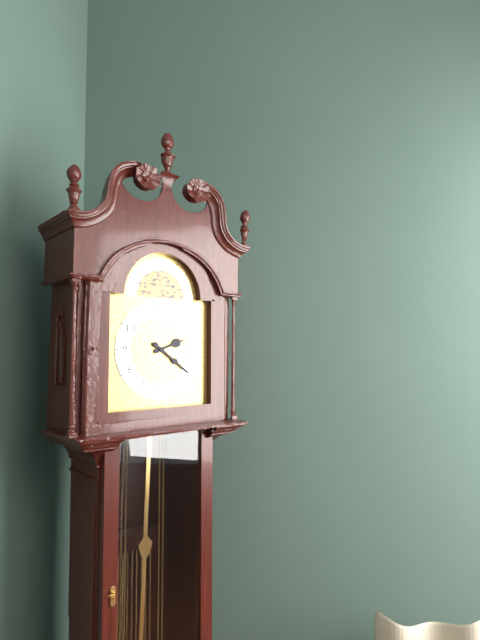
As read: 2:21
